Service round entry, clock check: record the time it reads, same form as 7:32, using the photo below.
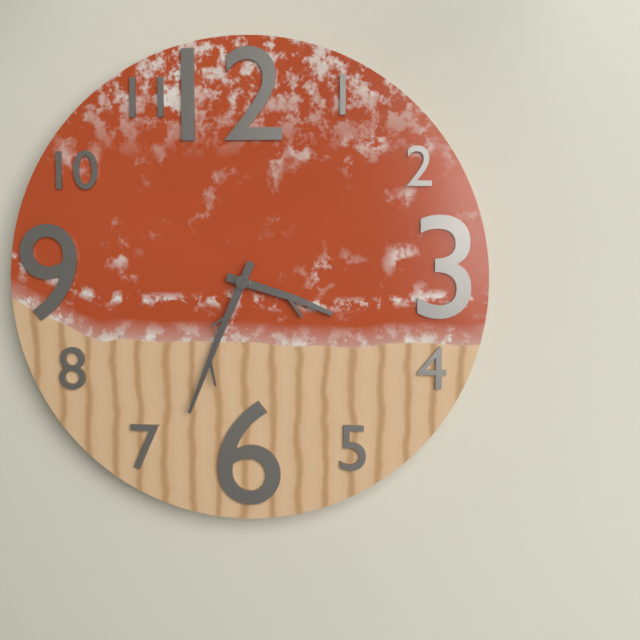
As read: 3:34
